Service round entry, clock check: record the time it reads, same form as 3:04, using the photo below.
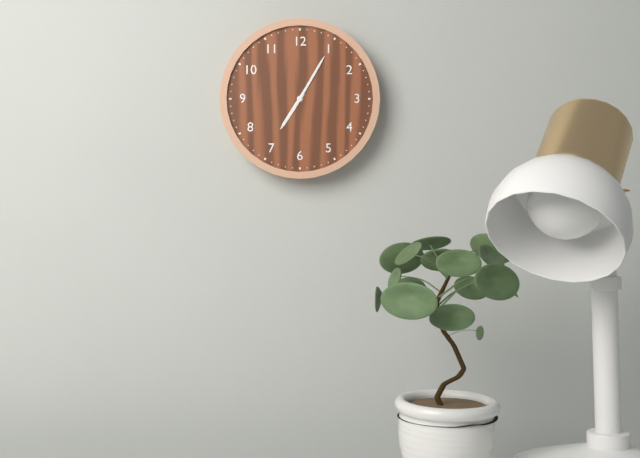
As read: 7:05
